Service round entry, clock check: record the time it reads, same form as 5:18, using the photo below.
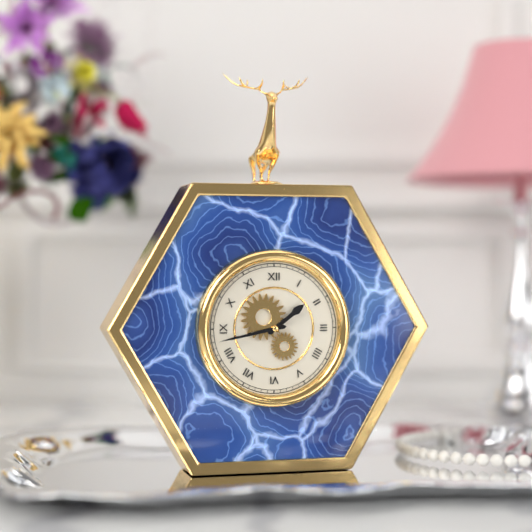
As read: 1:43
